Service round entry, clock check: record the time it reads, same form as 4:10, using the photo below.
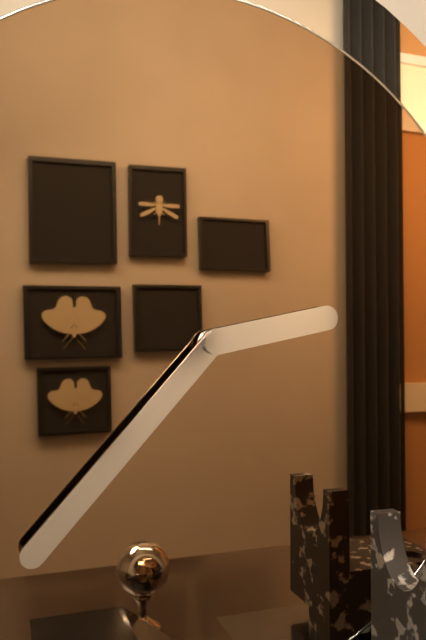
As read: 2:37
